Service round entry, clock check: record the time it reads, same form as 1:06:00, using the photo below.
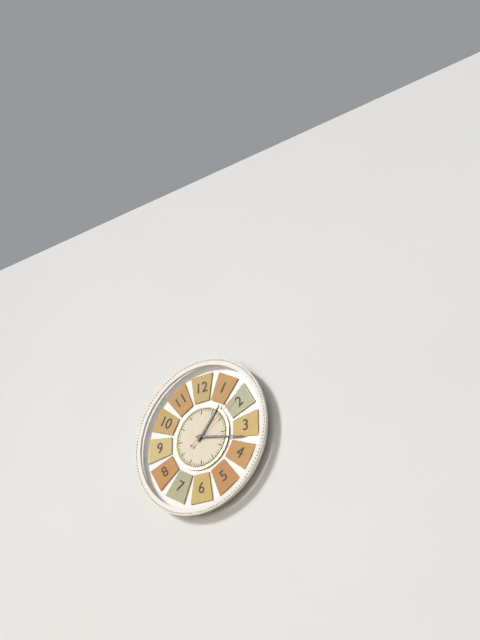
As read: 1:17:09
